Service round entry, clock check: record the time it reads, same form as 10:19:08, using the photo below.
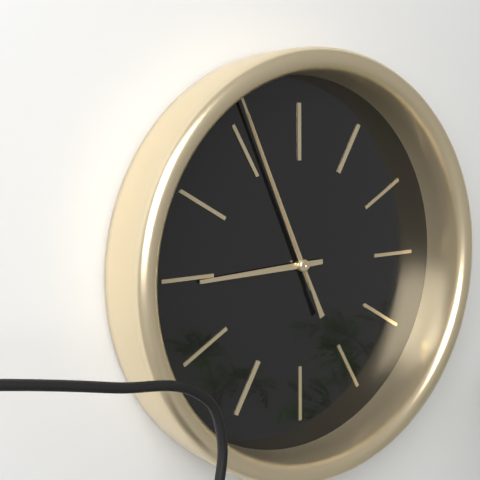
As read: 8:56:56
